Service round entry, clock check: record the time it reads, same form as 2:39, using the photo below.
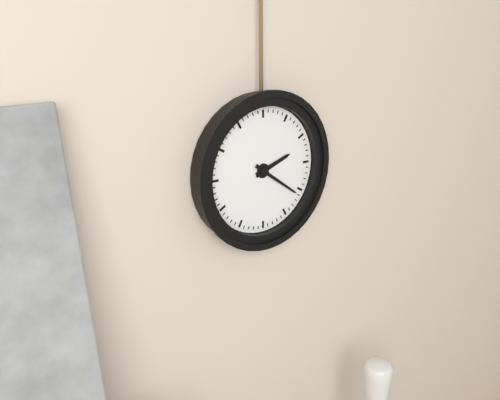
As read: 2:21
